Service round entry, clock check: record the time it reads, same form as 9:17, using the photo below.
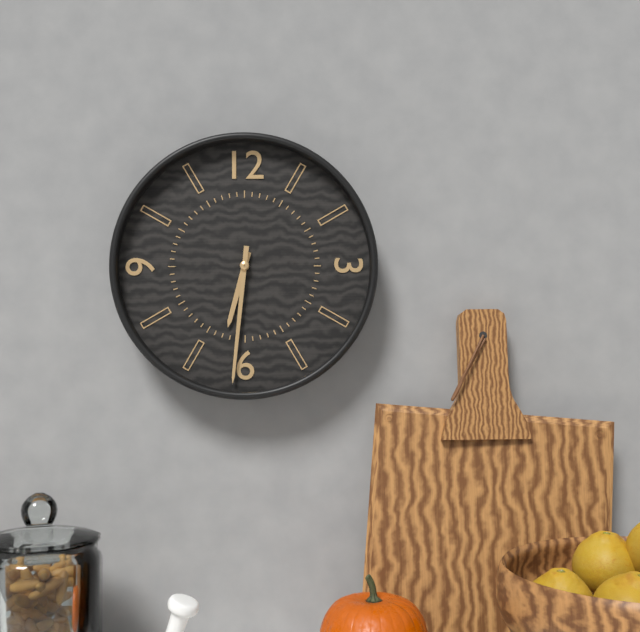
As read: 6:31
